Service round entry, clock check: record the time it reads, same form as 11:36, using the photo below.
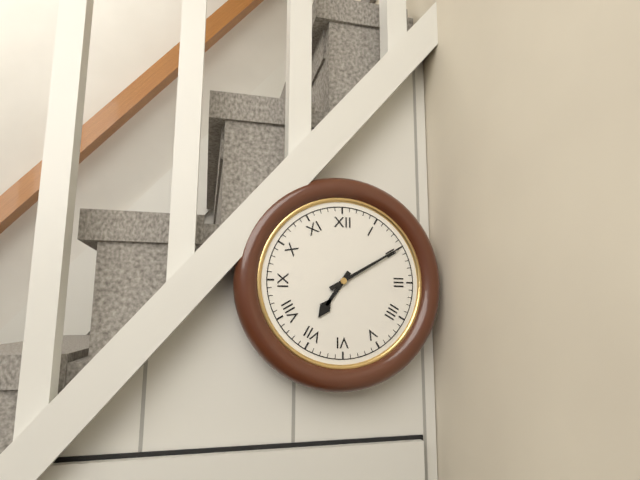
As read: 7:10
